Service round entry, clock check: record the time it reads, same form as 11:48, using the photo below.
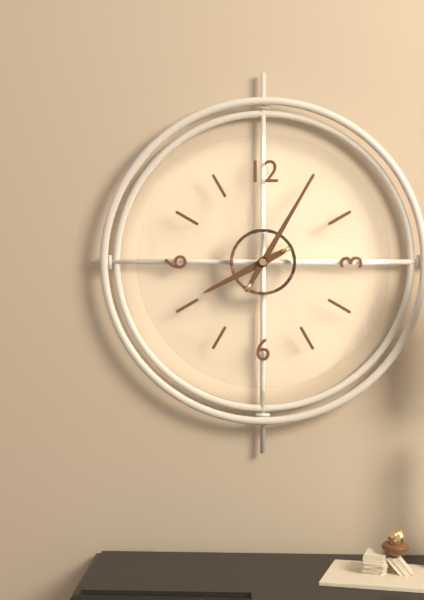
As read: 8:05
